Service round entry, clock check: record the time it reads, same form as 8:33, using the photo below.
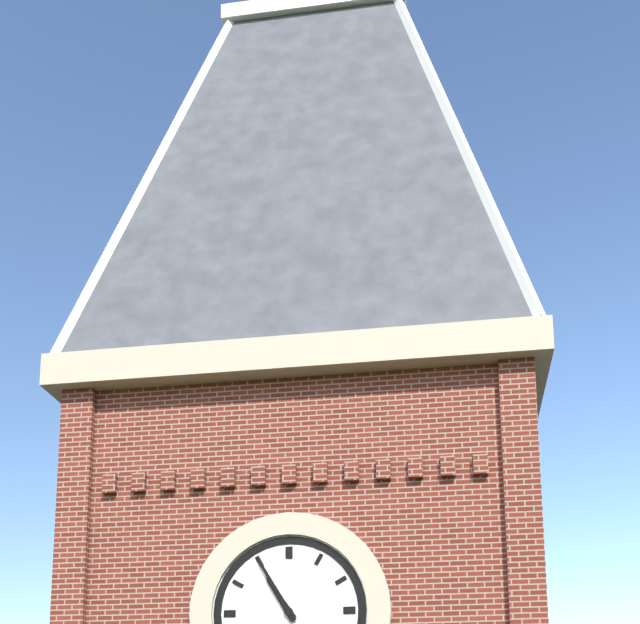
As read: 10:55
